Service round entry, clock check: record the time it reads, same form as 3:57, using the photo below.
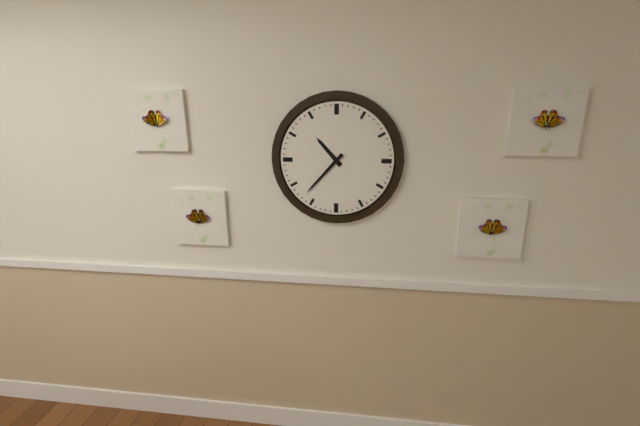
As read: 10:37
